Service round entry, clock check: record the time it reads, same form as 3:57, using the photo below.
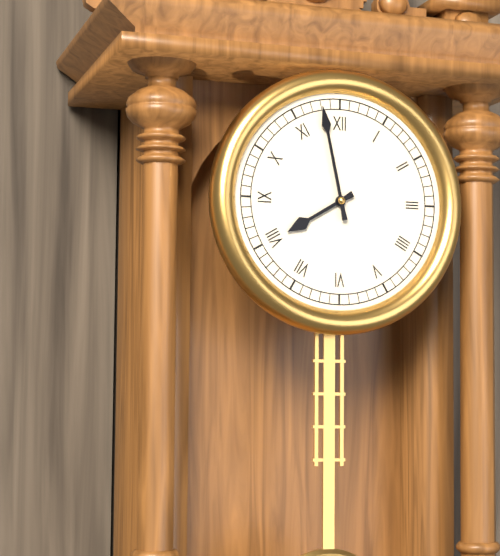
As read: 7:58
